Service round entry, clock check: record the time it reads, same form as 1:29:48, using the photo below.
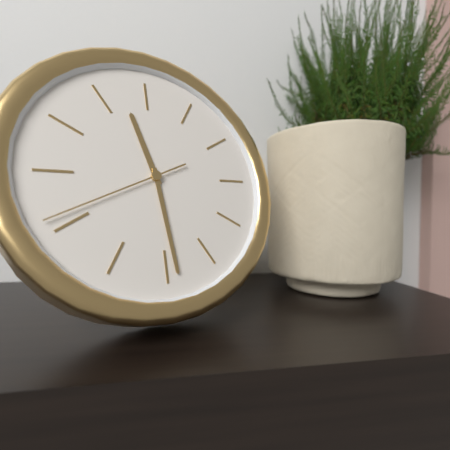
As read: 11:29:41
